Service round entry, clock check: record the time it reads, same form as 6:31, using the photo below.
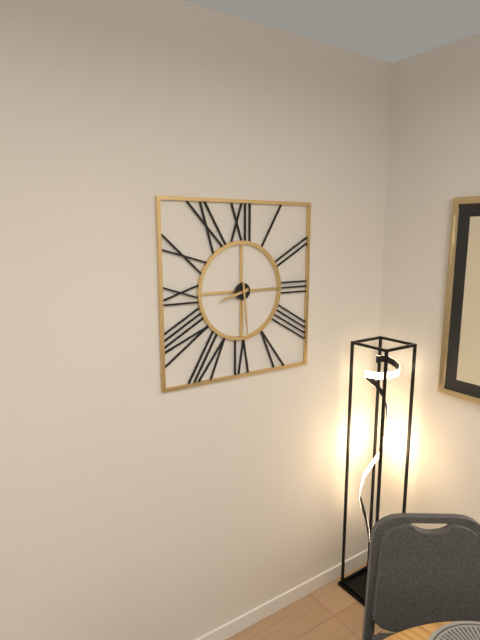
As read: 8:29
